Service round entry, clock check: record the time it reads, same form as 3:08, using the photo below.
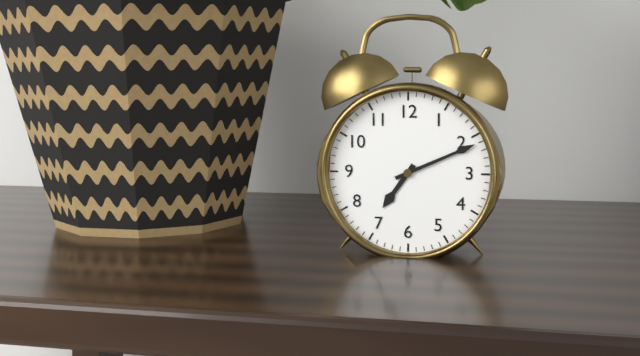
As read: 7:11
